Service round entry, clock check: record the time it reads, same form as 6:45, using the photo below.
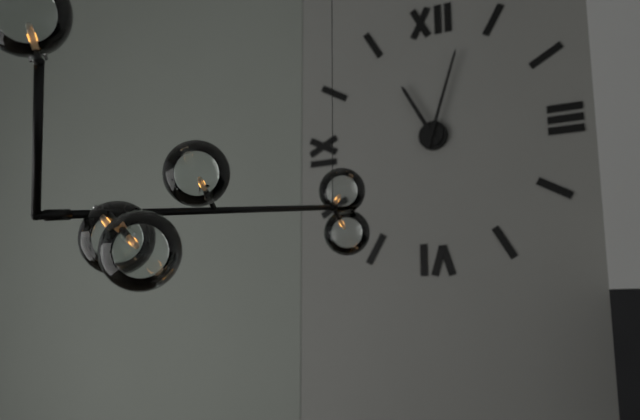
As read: 11:03
